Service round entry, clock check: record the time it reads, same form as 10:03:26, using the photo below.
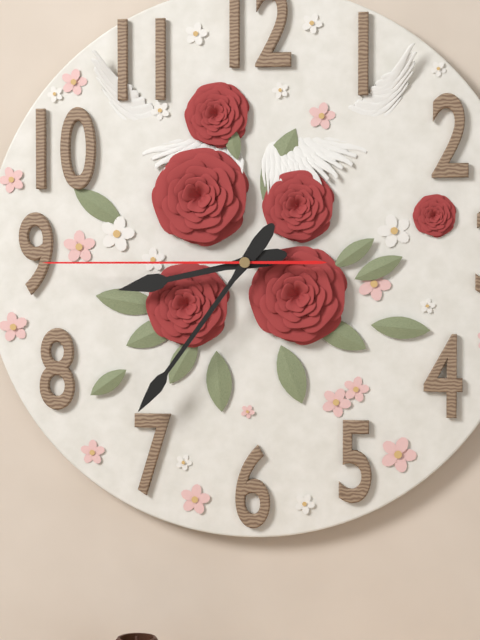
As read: 8:36:45
